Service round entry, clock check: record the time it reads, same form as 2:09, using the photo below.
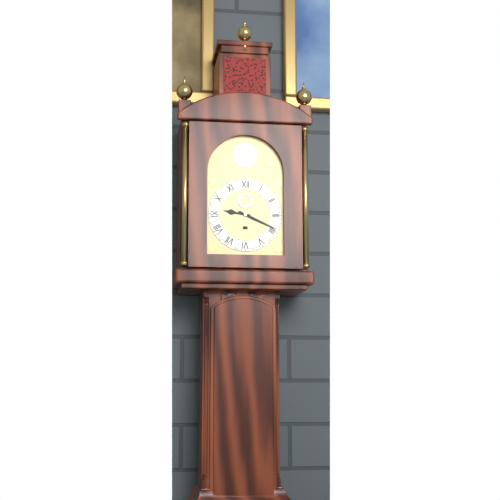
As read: 9:19
